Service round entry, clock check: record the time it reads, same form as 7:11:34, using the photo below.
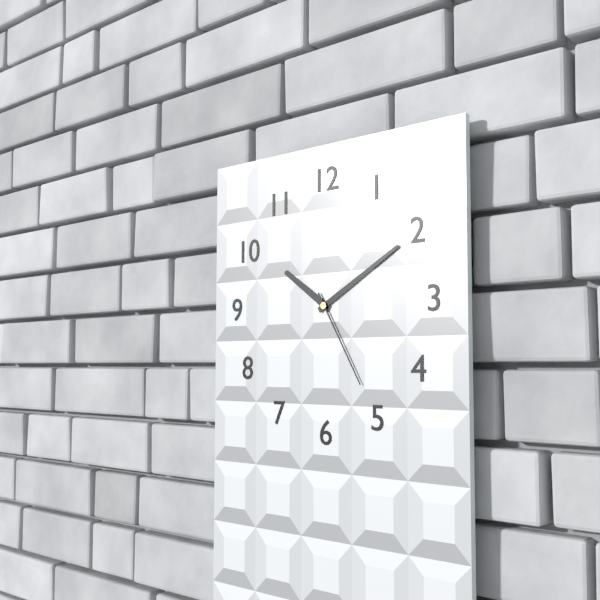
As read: 10:10:25
